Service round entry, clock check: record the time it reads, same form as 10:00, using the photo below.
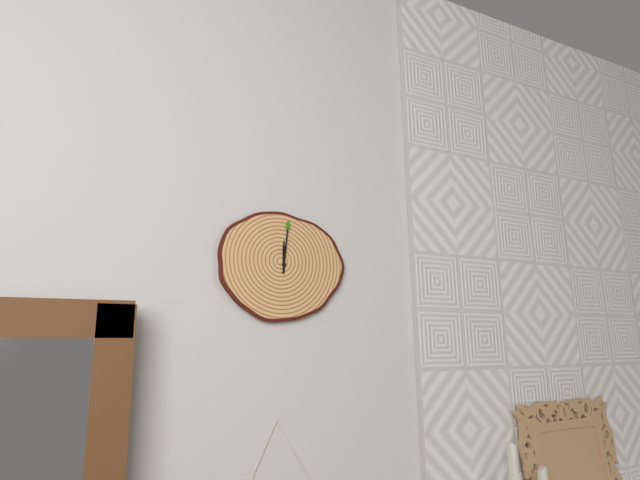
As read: 12:01
